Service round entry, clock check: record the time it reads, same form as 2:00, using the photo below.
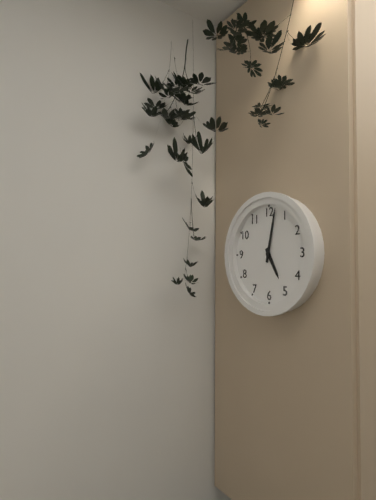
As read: 5:02
